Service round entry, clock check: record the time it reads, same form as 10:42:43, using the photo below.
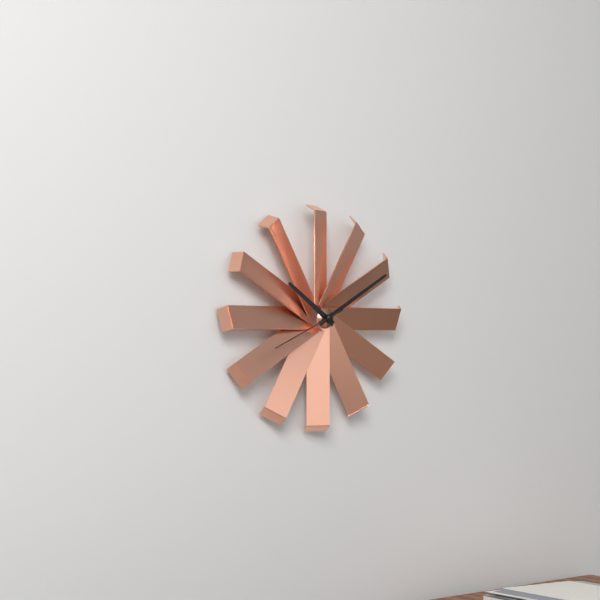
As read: 10:10:41
